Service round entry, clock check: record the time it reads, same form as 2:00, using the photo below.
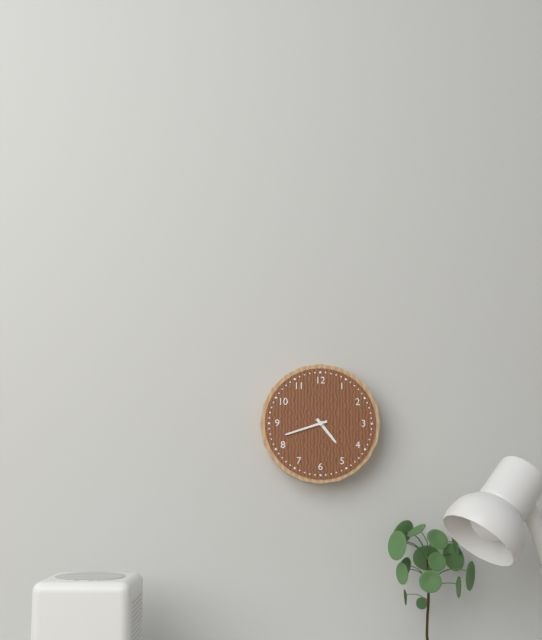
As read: 4:42
